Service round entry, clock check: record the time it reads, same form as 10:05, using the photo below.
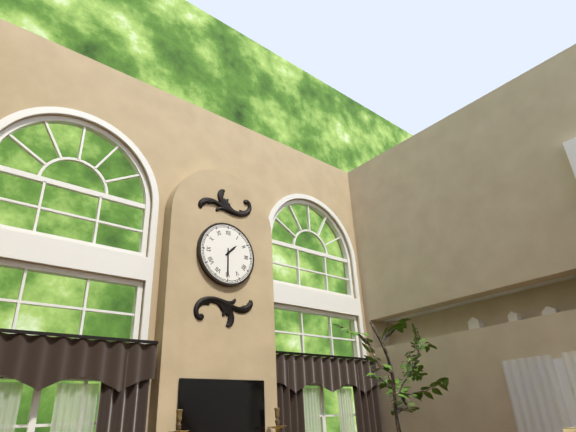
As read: 1:30
